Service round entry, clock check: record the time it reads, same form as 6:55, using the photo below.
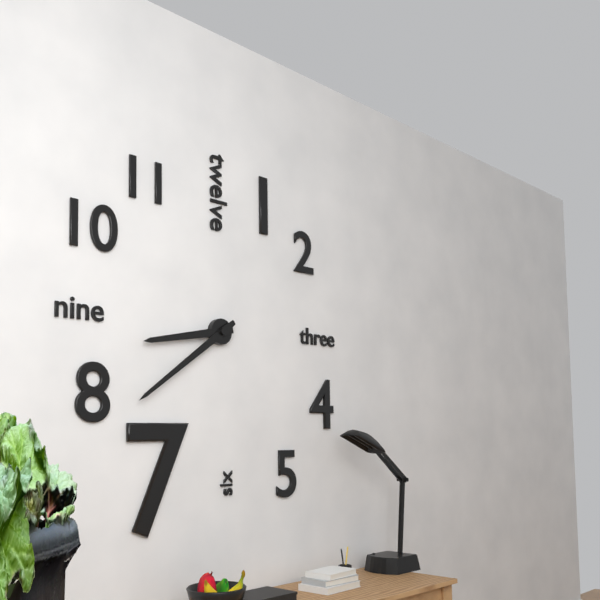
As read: 8:39
